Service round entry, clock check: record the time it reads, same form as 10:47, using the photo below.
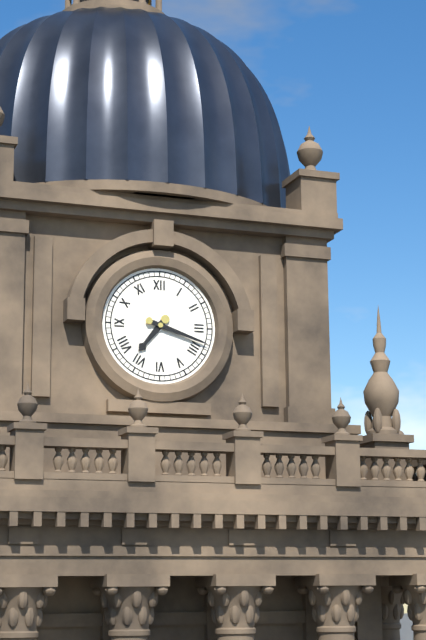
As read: 7:18
